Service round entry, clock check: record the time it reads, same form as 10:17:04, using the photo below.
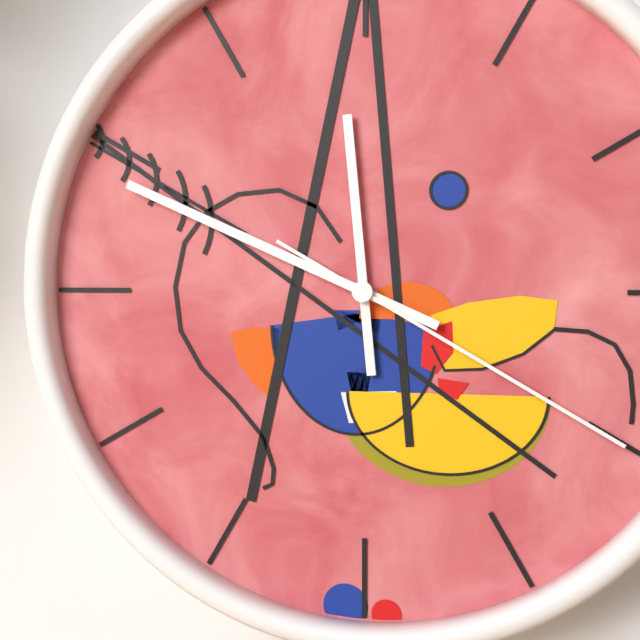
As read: 11:49:20
